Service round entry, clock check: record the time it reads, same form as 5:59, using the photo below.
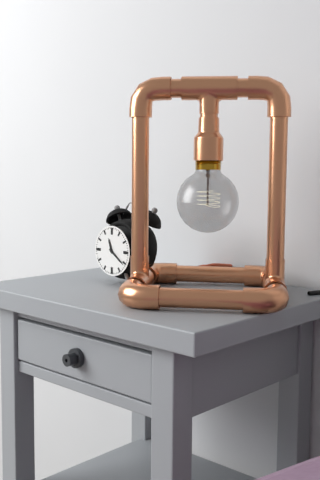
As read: 11:21
